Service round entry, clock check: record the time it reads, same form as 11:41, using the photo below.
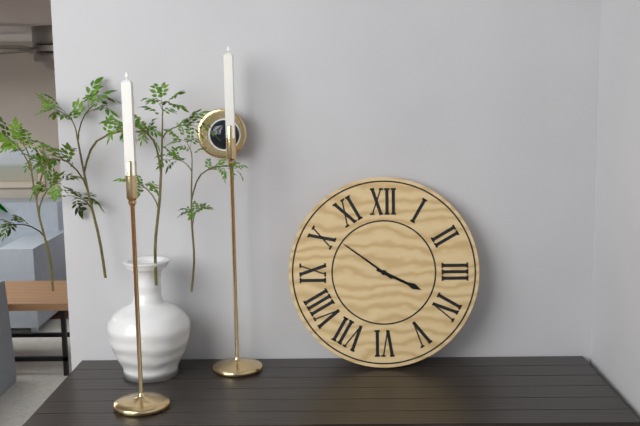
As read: 3:51
